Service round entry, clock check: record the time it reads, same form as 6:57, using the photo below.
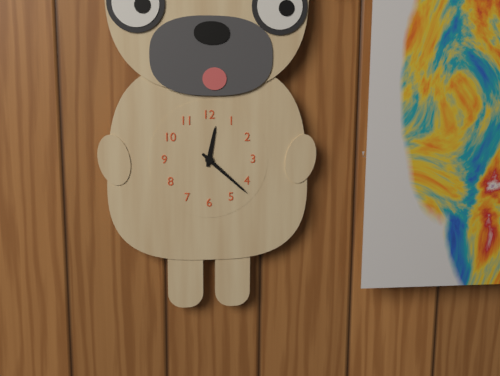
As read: 12:22
